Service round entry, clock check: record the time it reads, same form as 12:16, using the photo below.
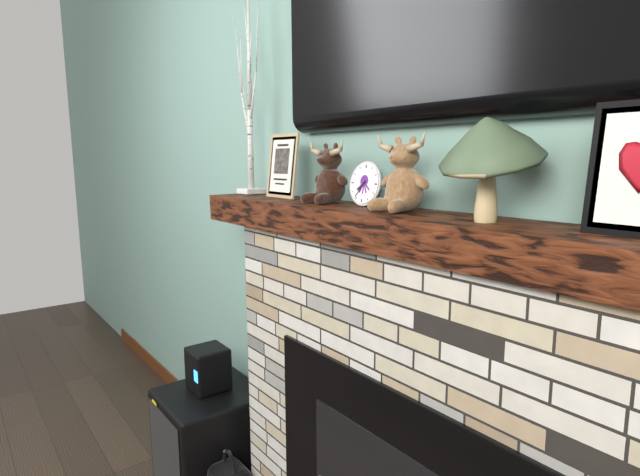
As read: 7:36
